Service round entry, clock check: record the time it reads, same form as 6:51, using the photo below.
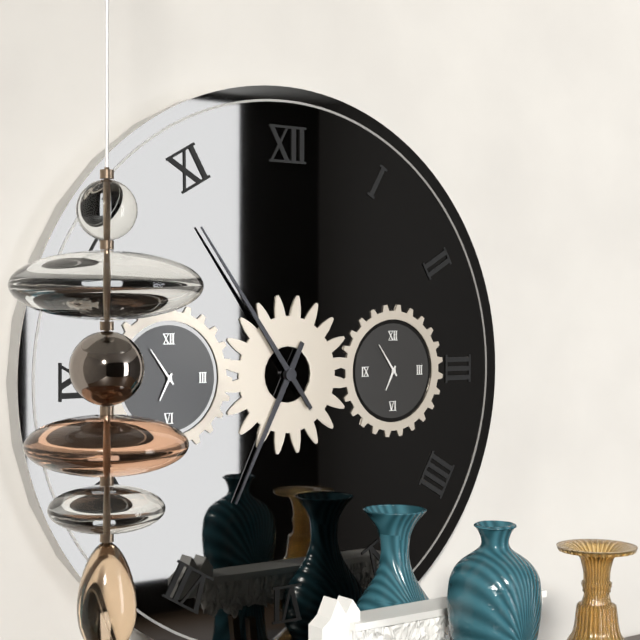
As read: 6:54
